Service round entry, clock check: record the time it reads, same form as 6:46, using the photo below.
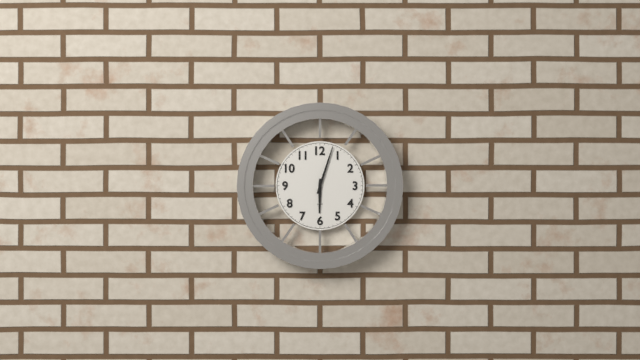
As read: 6:03
